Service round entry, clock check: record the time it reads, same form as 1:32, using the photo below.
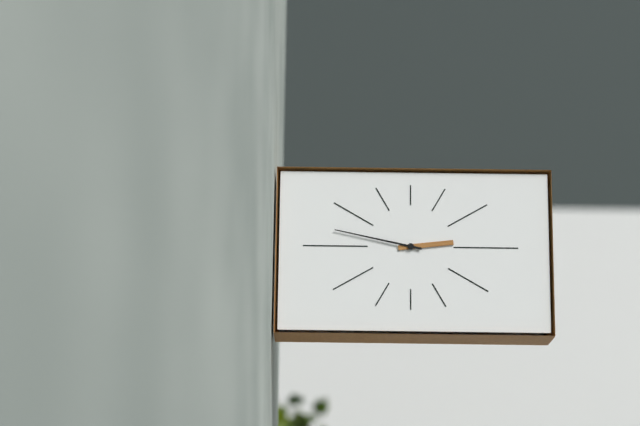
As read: 2:47
